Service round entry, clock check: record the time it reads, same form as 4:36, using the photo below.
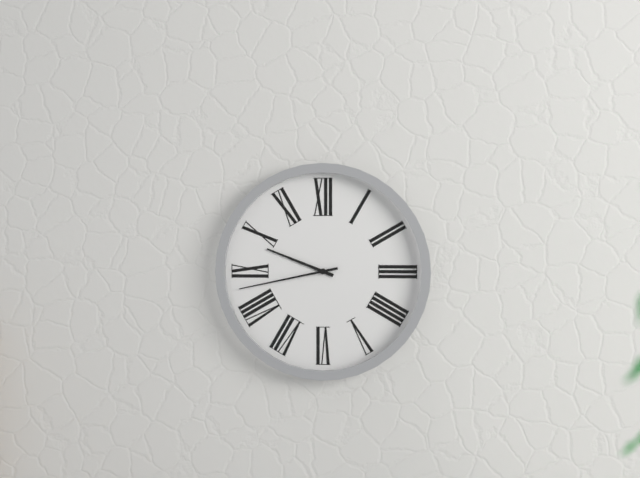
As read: 9:43
